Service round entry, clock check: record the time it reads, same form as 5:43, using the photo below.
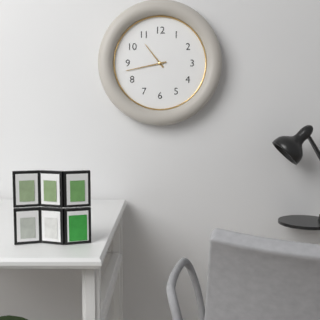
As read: 10:43
